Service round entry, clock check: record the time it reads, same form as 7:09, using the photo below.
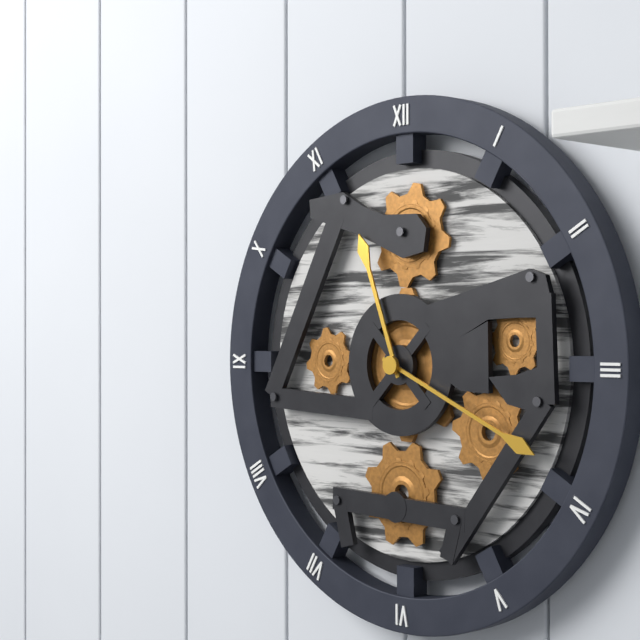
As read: 11:19
